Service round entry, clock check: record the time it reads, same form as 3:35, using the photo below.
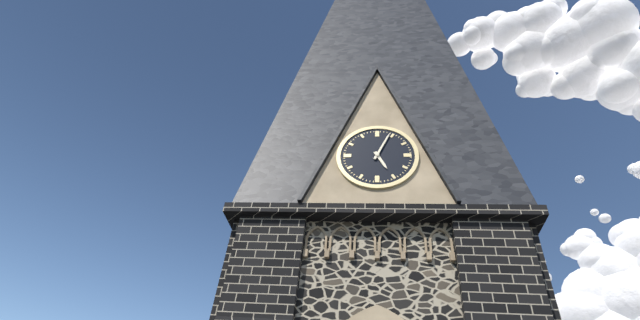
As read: 5:04
